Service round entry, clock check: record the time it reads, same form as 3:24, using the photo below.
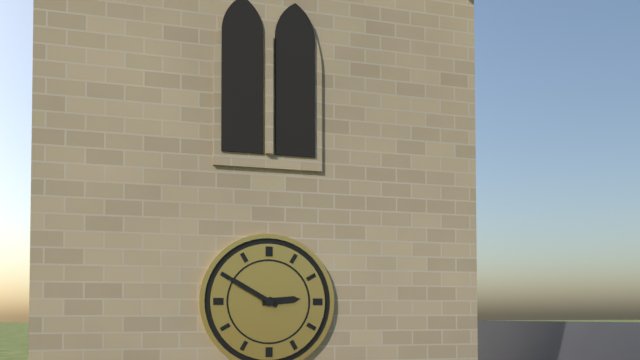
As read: 2:50
